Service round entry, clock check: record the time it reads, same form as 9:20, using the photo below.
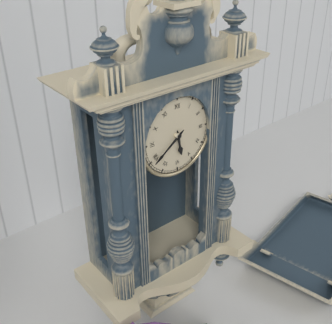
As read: 5:39
